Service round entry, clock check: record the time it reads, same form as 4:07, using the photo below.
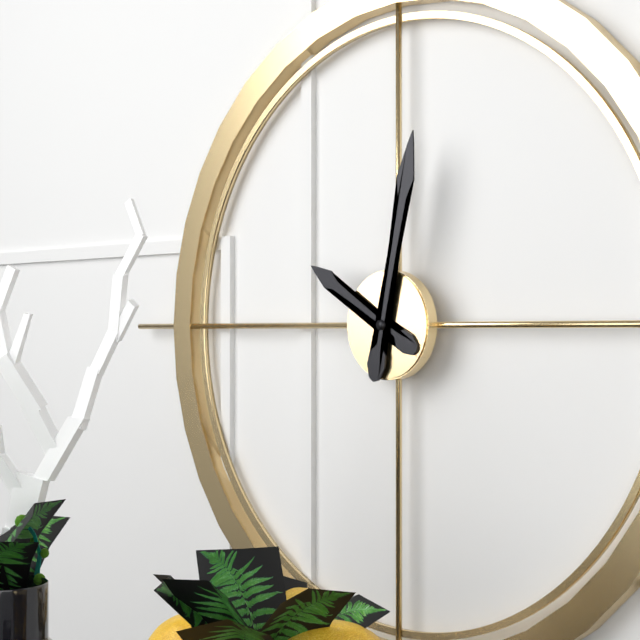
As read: 10:02
